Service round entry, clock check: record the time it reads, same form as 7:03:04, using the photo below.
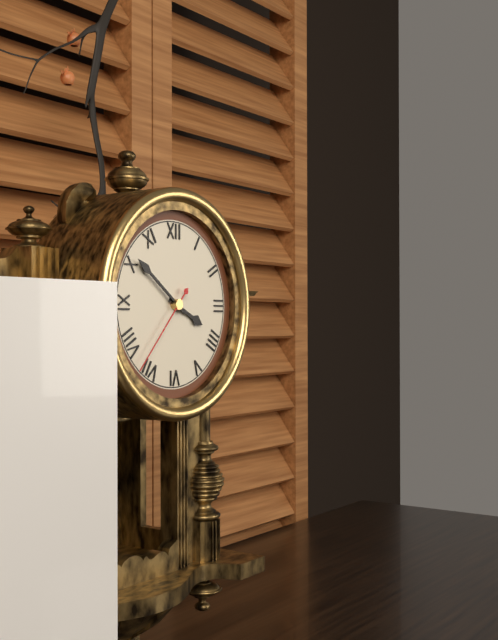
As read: 3:51:37
